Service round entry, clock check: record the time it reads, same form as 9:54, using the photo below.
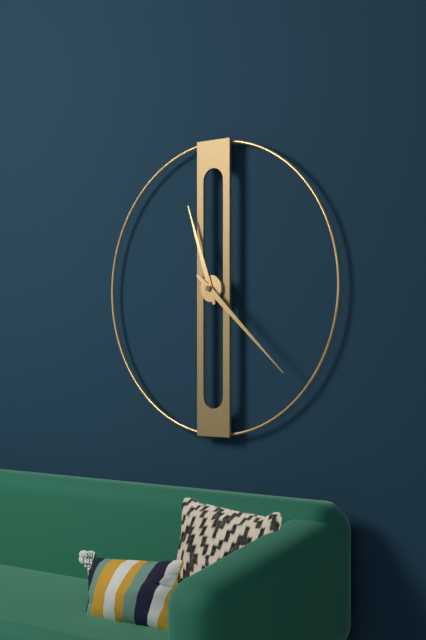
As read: 11:22
